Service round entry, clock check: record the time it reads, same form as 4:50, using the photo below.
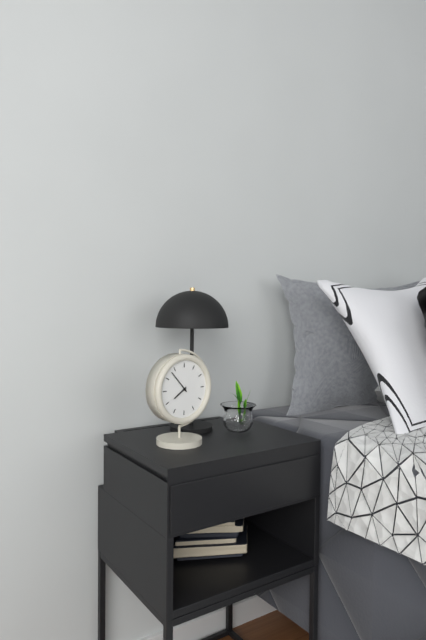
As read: 7:53
